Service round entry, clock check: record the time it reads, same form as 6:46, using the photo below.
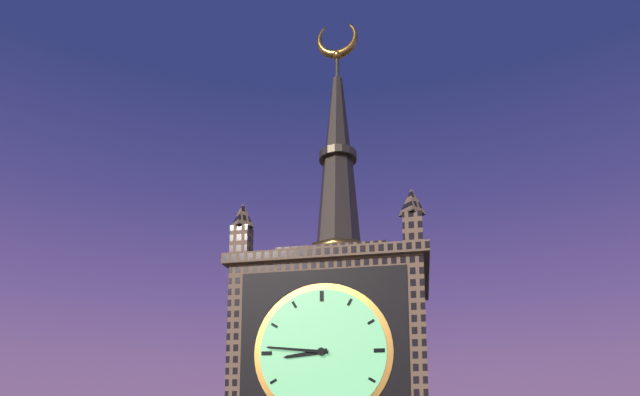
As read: 8:46
